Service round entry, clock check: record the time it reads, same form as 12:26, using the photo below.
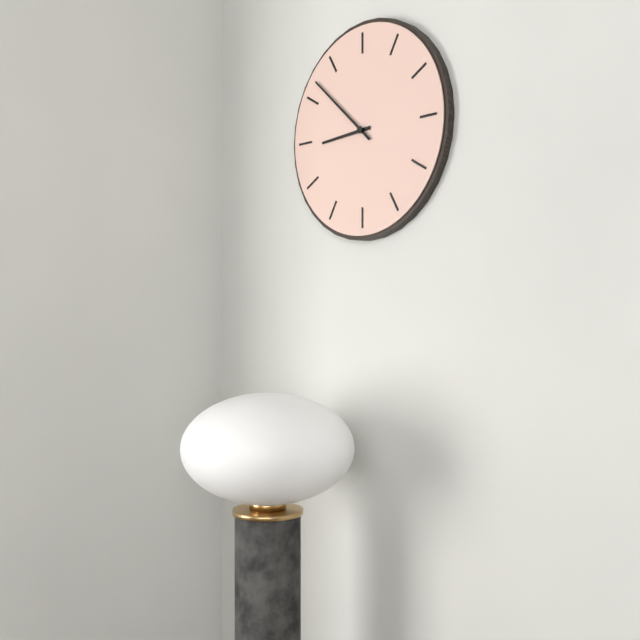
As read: 8:52
